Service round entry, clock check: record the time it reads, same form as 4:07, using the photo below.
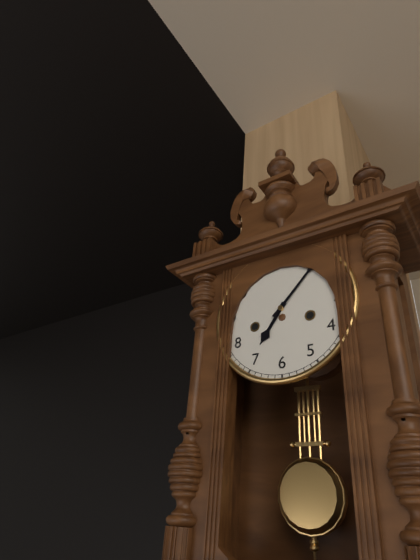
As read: 7:07
